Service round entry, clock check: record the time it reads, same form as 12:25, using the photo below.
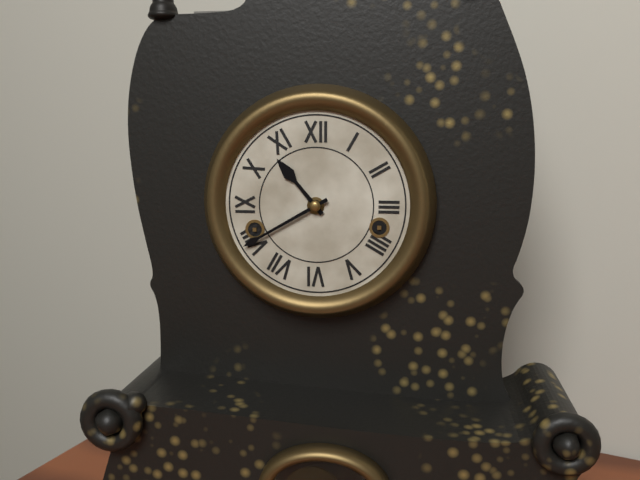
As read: 10:40
